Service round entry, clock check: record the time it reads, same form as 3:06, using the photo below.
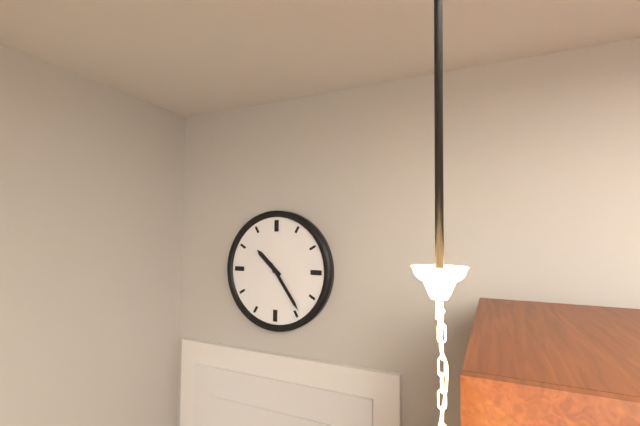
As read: 10:24
